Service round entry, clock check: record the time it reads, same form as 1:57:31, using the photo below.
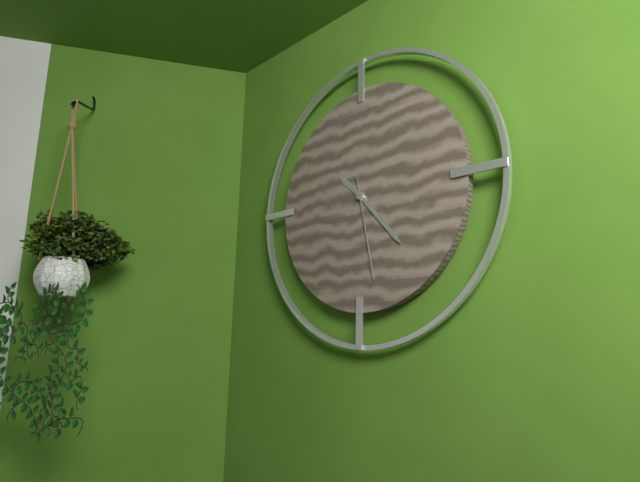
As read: 10:23:28
